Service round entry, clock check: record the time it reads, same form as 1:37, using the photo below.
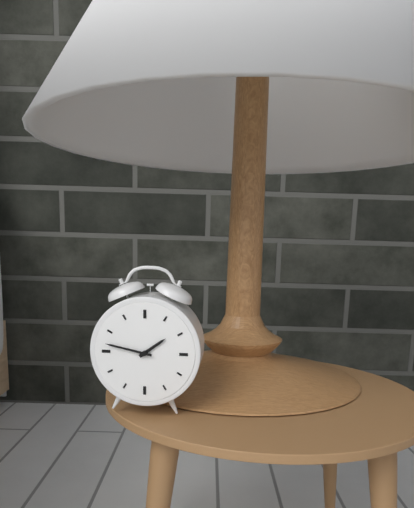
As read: 1:47
